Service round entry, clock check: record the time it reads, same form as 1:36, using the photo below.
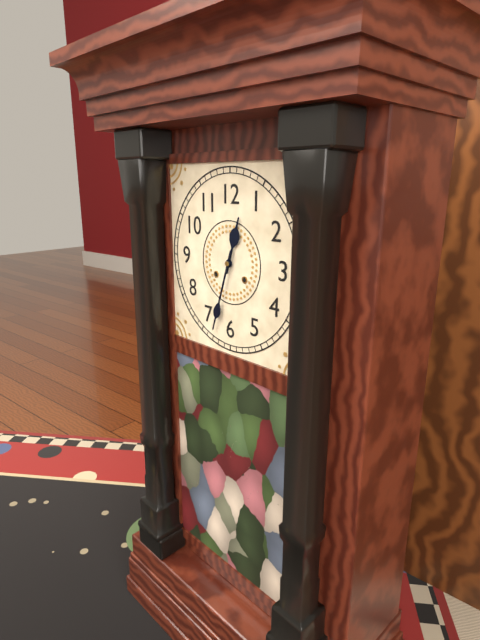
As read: 12:33
